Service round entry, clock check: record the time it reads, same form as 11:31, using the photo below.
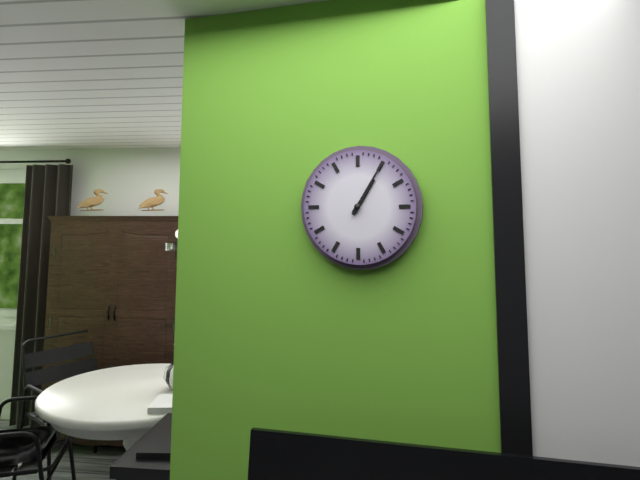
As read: 1:05
